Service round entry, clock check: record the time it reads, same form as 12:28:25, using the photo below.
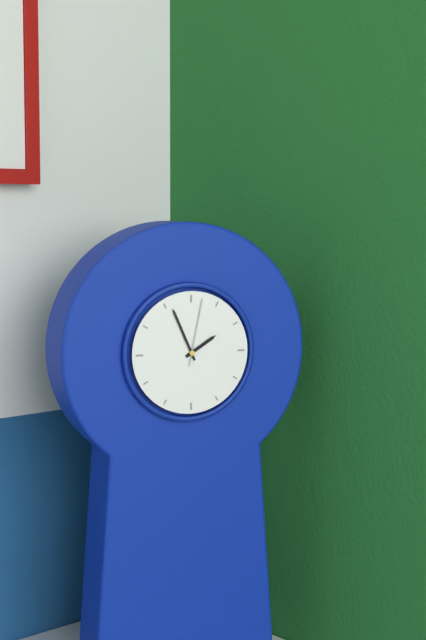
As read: 1:56:02
